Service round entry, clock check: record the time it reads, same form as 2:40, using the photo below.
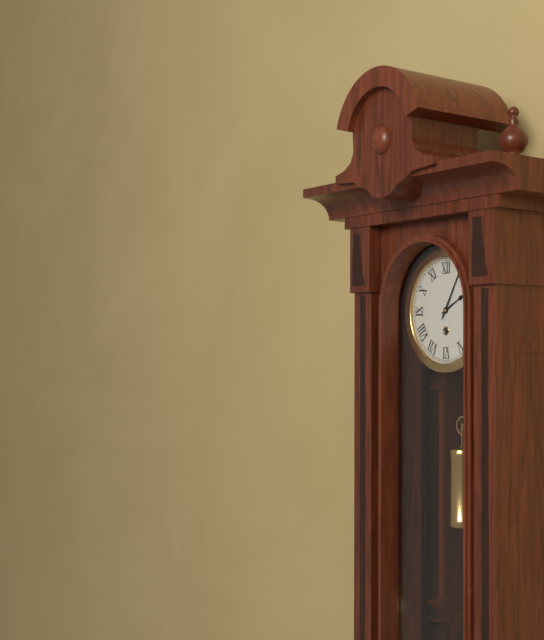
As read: 2:05
